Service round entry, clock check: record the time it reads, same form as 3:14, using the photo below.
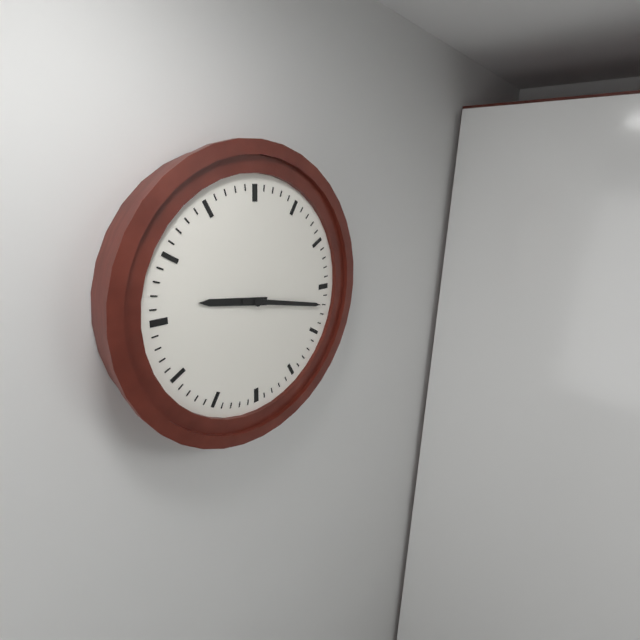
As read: 9:17
